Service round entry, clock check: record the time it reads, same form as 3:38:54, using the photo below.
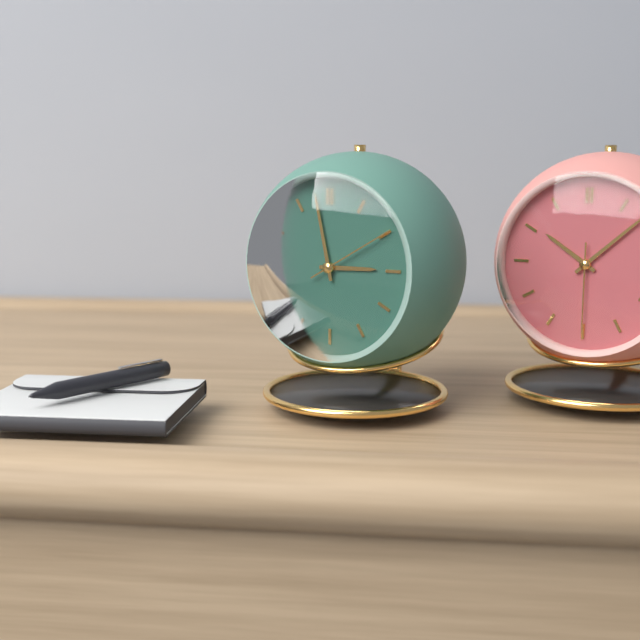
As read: 2:58:10
